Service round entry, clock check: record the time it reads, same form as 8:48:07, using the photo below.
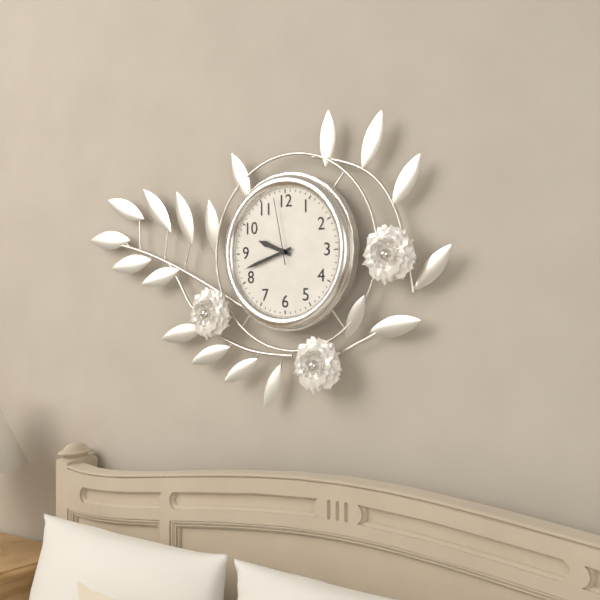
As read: 9:42:58
